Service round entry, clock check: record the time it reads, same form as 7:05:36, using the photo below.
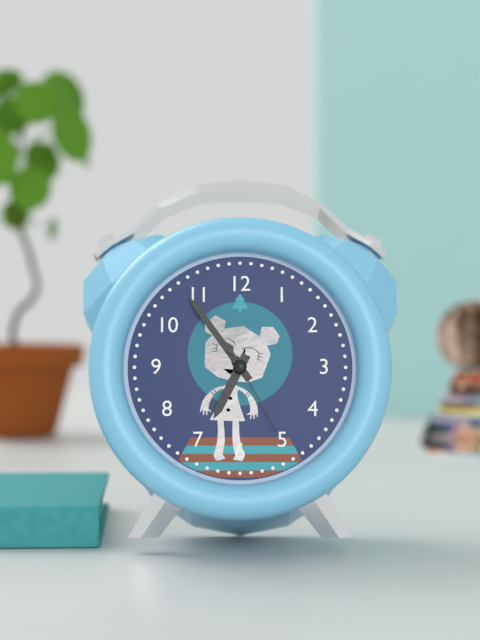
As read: 6:54:25
